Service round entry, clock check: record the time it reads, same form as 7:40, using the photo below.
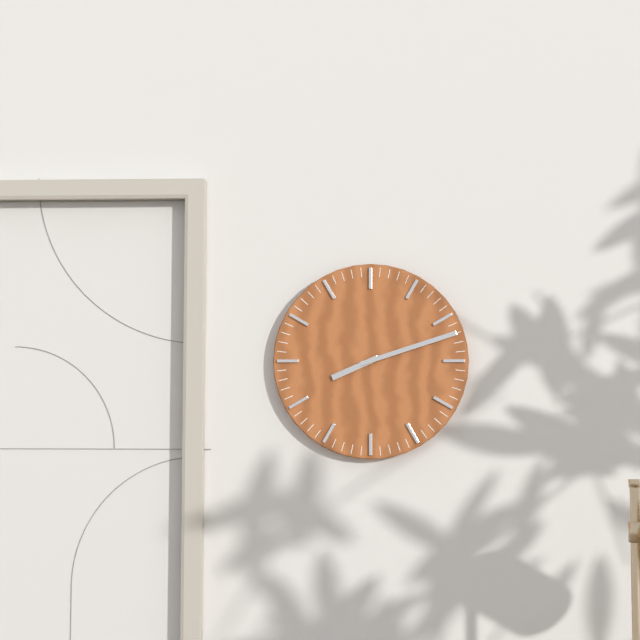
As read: 8:12
